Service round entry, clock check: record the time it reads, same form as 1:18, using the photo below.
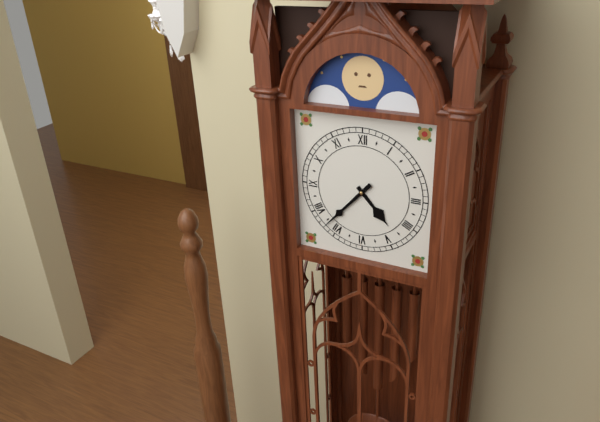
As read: 4:37
